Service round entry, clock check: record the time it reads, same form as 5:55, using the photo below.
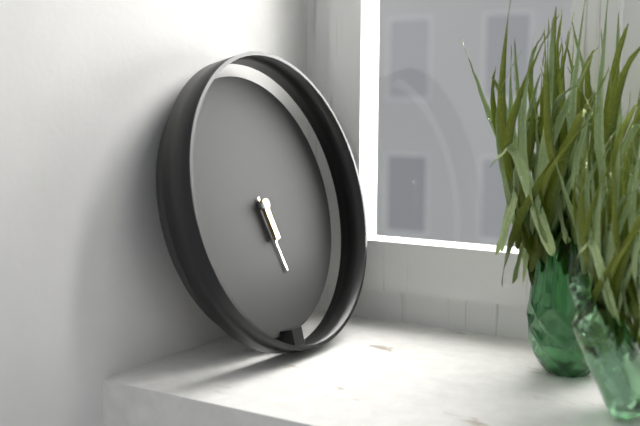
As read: 5:27
